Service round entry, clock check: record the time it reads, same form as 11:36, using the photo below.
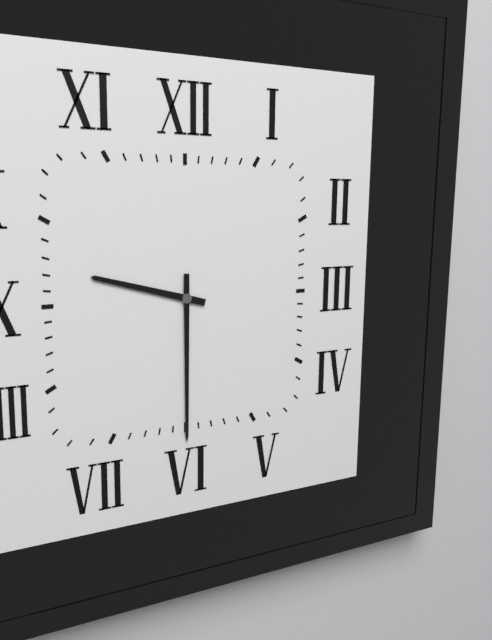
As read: 9:30
